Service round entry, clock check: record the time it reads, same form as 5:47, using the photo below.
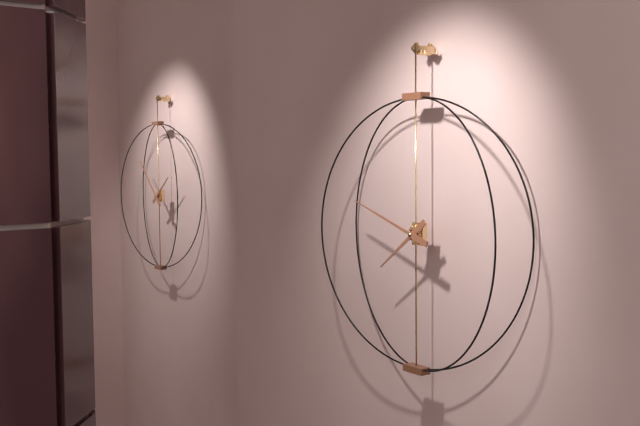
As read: 7:48
